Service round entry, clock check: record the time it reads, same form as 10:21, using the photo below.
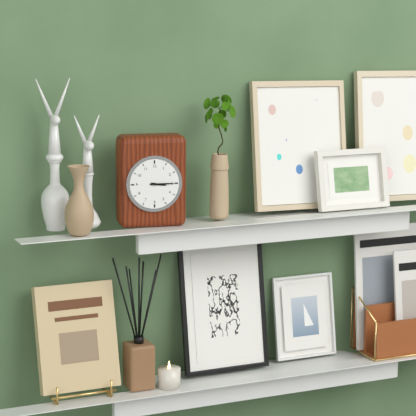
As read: 3:15
